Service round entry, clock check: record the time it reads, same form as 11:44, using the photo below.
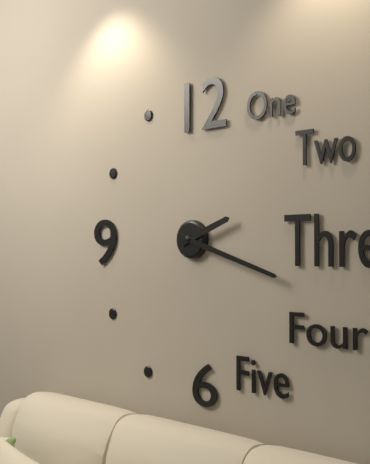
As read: 2:18
